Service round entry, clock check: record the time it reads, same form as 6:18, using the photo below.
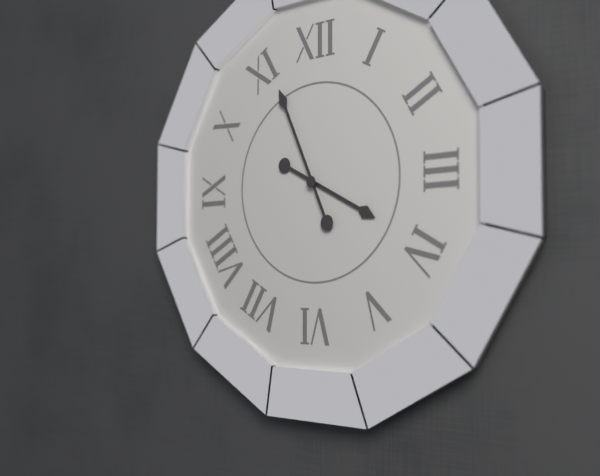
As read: 3:56
